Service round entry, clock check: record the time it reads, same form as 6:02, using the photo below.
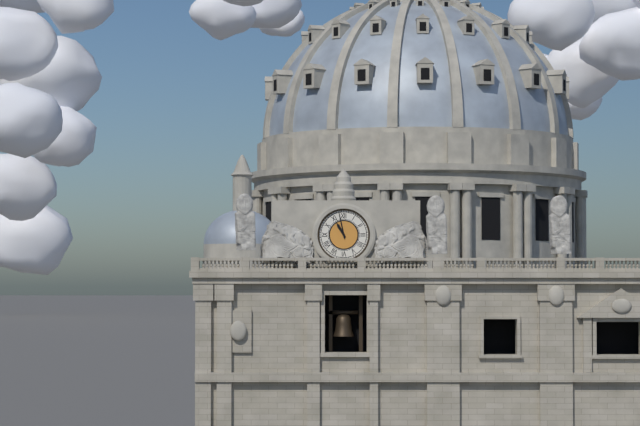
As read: 10:58
